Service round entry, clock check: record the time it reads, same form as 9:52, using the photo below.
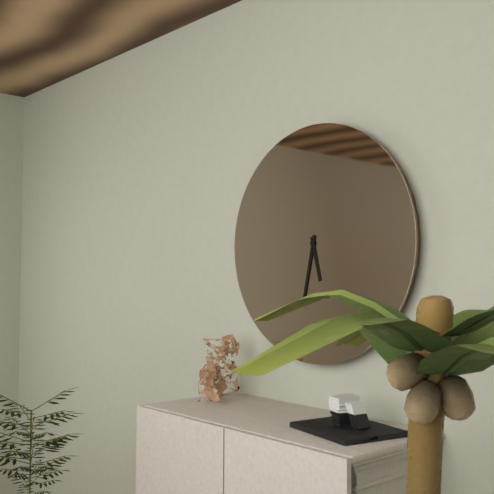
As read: 5:32
